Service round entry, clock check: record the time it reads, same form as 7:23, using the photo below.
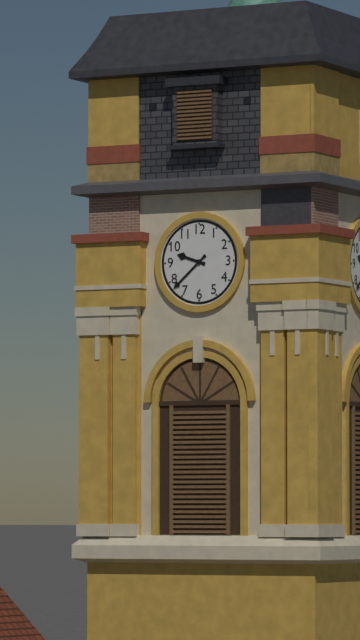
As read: 9:38
